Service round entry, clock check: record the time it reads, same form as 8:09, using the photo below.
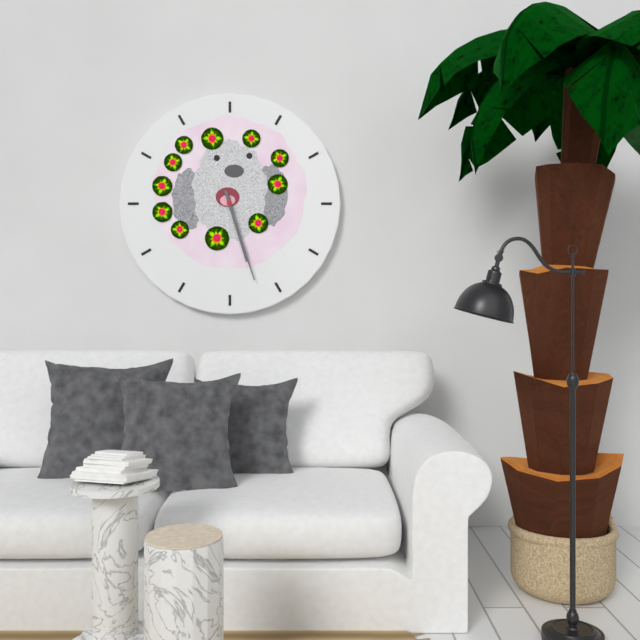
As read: 5:27
